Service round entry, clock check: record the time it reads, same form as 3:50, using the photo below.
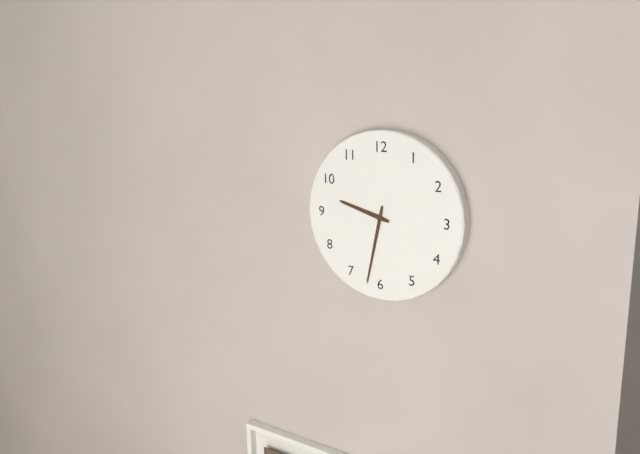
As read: 9:32
